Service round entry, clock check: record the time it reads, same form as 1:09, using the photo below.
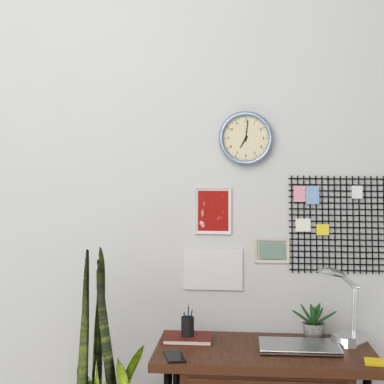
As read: 7:01
